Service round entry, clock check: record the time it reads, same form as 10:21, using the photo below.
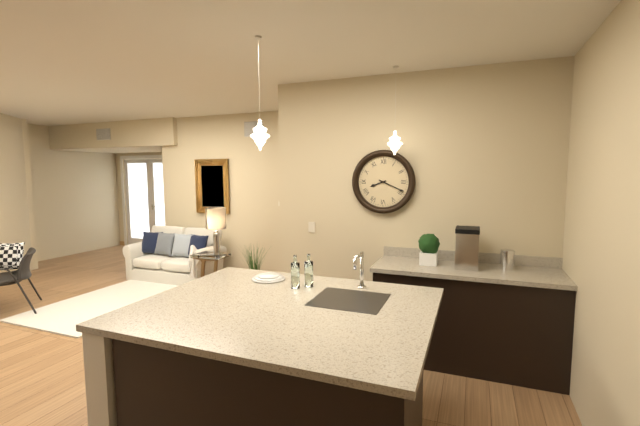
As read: 8:19
